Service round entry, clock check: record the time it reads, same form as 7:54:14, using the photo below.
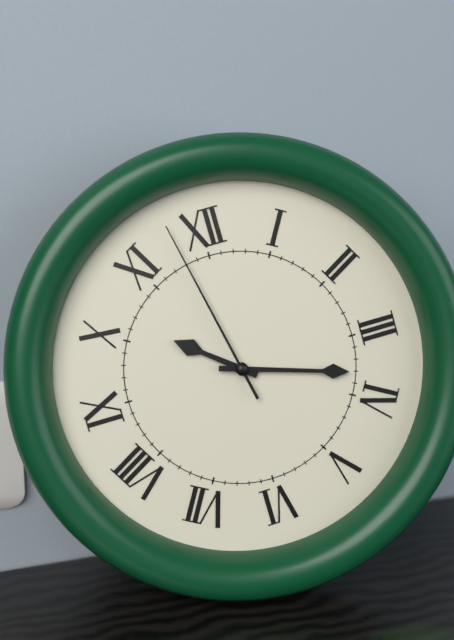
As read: 10:18:58
